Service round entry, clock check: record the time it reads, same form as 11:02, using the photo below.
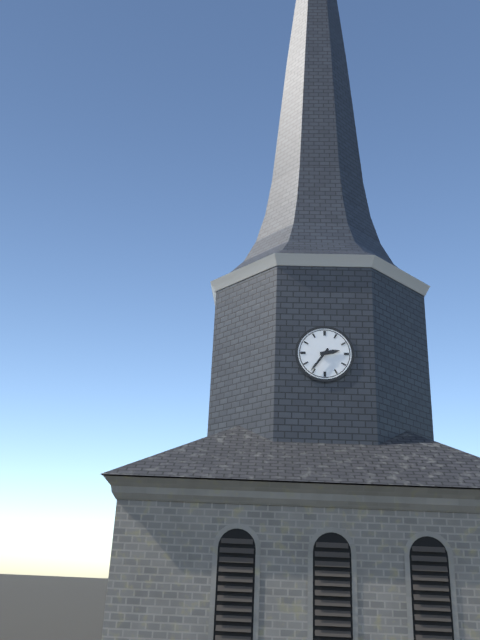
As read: 2:36
